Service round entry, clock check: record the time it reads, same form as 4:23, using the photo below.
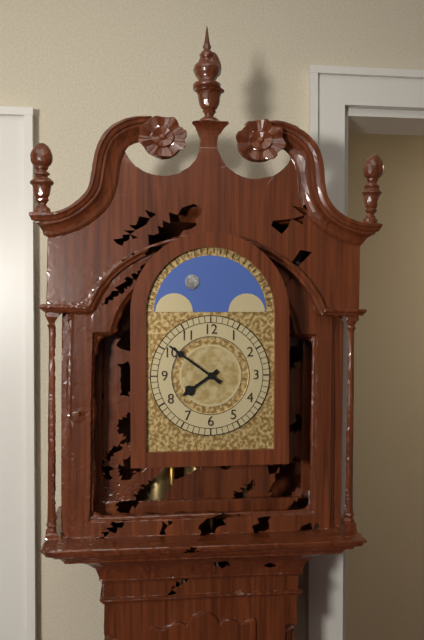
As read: 7:51
